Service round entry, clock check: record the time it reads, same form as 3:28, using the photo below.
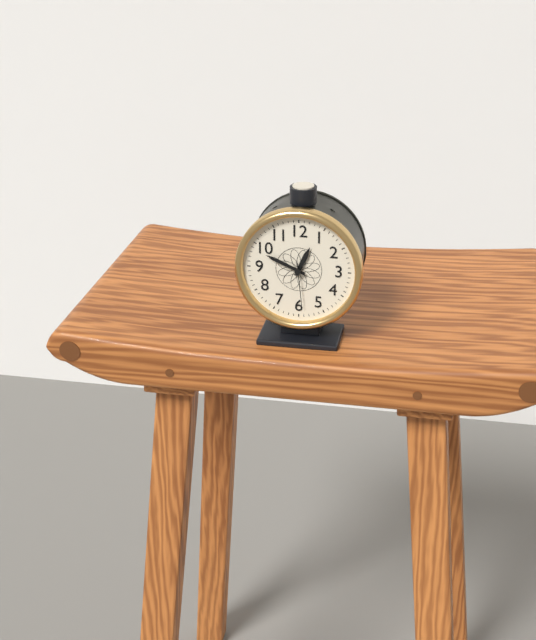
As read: 12:49
